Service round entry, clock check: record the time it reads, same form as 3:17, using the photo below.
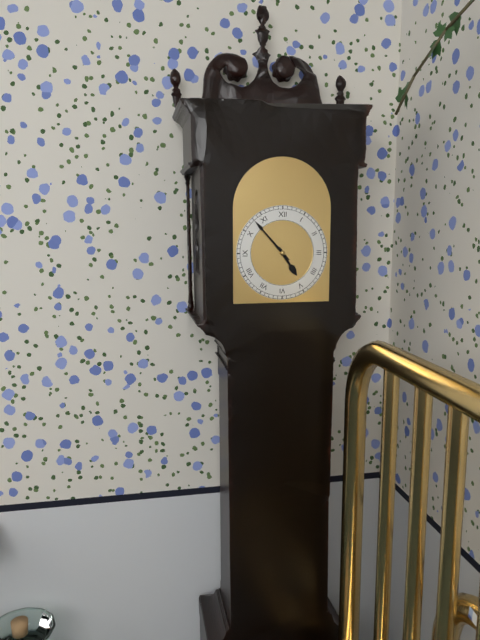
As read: 4:53
